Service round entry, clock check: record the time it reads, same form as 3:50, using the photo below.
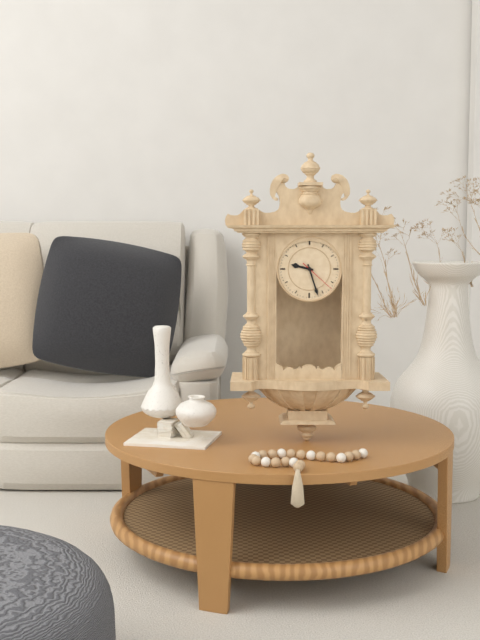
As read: 9:27
